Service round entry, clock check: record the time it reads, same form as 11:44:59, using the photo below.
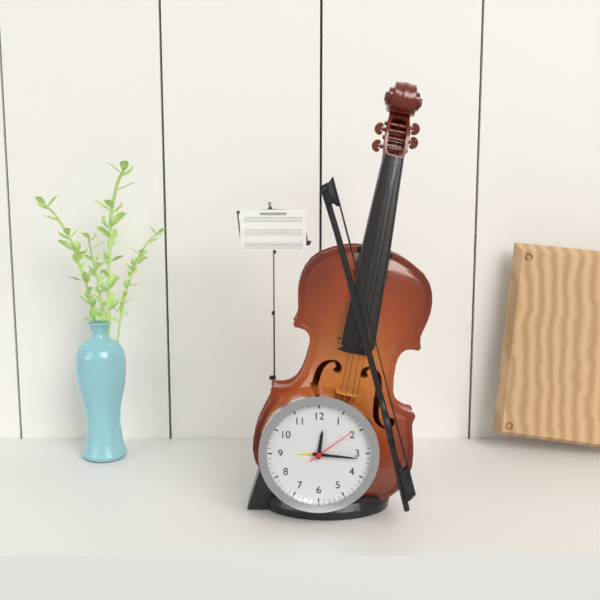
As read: 12:16:09
